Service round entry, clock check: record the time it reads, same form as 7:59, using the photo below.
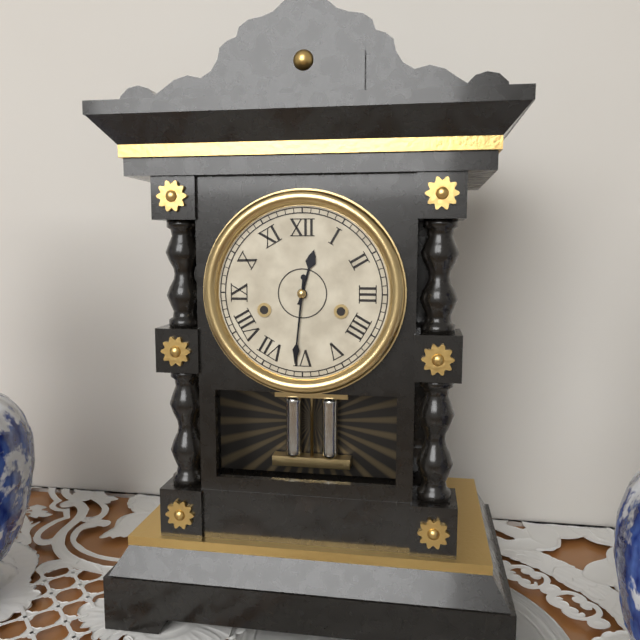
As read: 12:31
